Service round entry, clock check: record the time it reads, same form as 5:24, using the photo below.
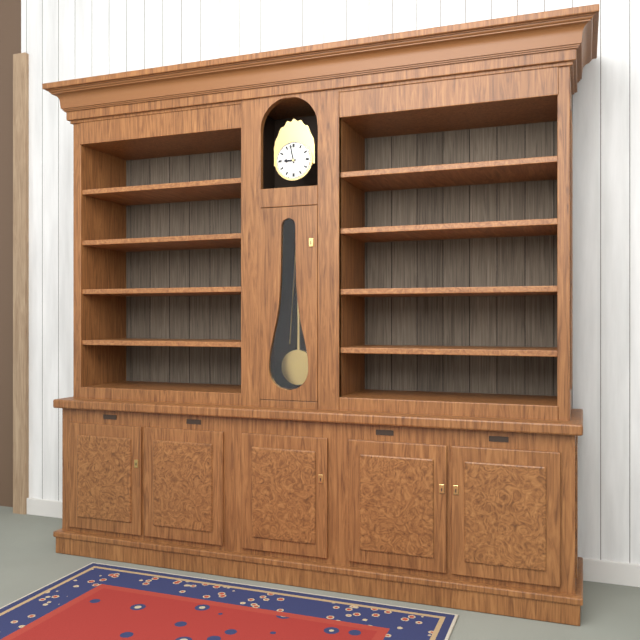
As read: 8:58
